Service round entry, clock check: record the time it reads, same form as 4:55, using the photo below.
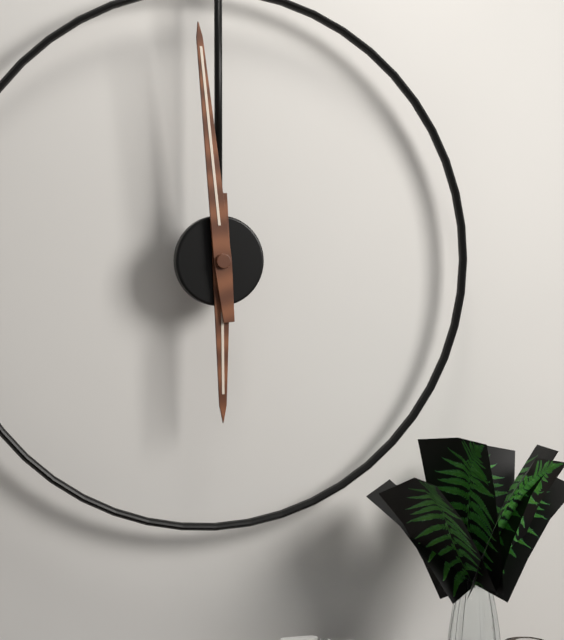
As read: 5:59
